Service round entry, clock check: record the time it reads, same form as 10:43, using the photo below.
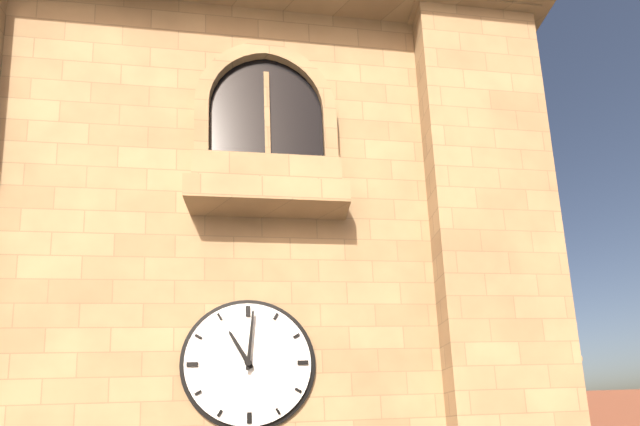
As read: 11:01
